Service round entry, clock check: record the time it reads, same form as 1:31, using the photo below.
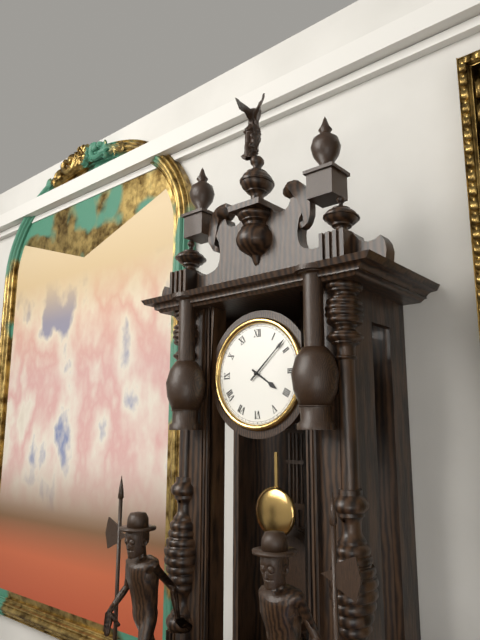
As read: 4:08
